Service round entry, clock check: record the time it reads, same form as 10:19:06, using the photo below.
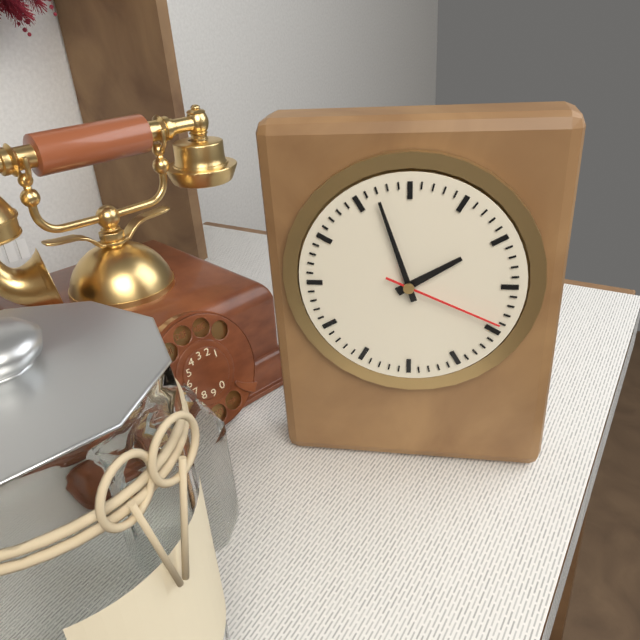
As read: 1:57:19
